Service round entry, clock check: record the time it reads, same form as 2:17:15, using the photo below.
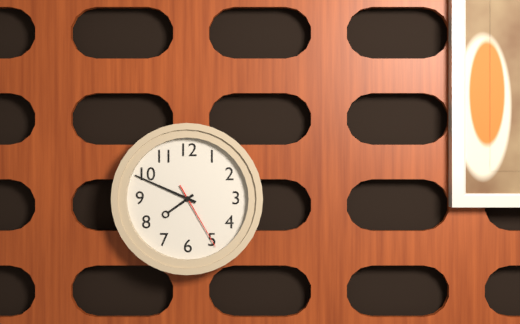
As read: 7:49:25
